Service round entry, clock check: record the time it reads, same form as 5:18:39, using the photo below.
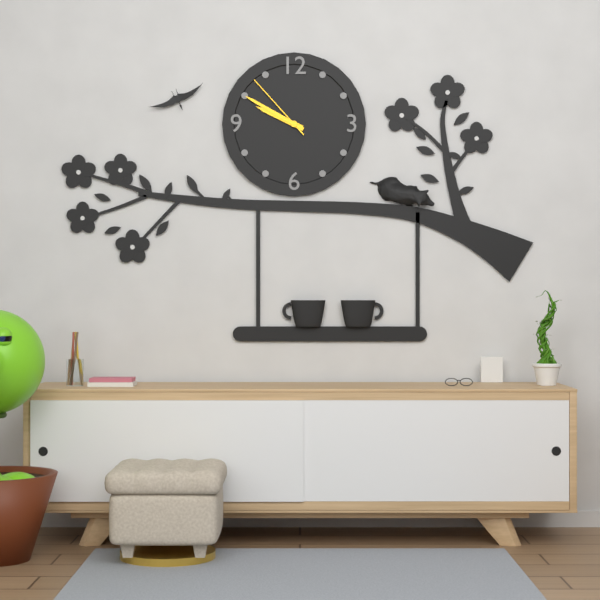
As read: 9:50:53
